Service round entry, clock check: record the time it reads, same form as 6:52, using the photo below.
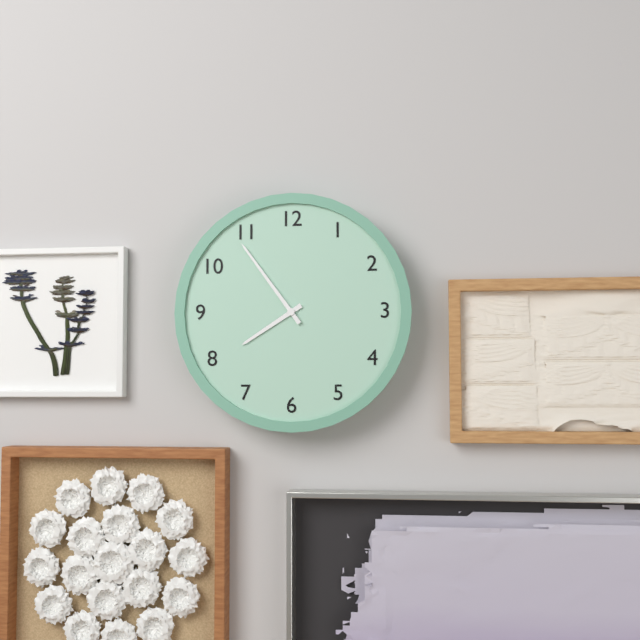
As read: 7:54
